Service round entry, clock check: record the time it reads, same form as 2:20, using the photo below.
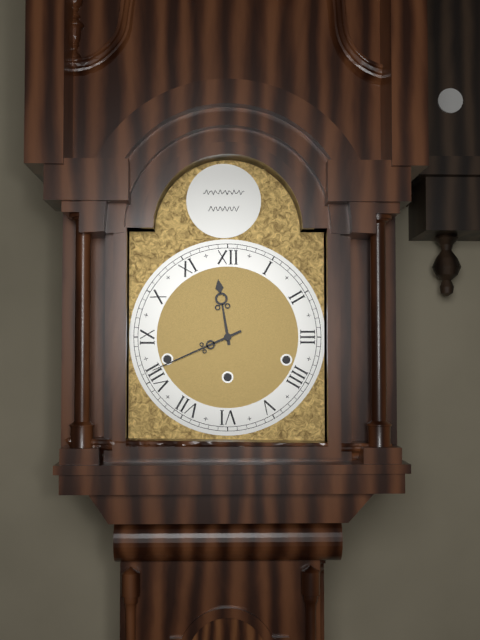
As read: 11:41
